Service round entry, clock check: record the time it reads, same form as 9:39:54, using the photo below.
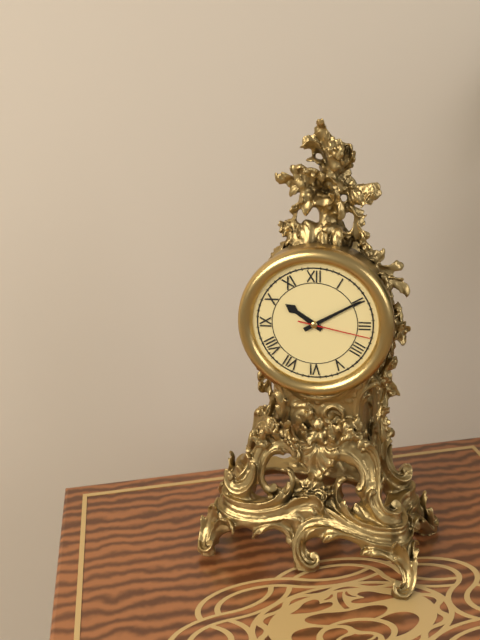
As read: 10:10:17
